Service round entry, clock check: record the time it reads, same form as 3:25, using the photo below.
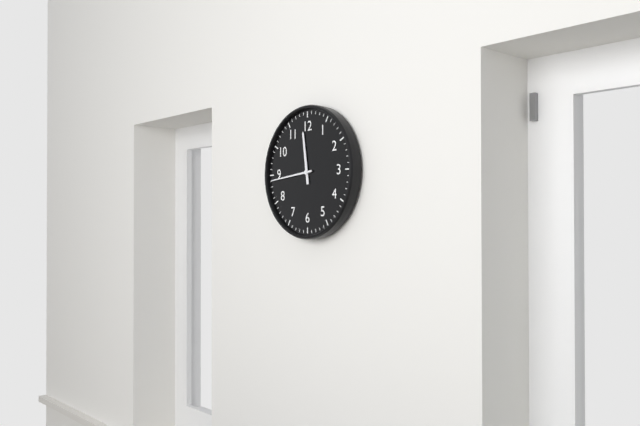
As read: 11:44
